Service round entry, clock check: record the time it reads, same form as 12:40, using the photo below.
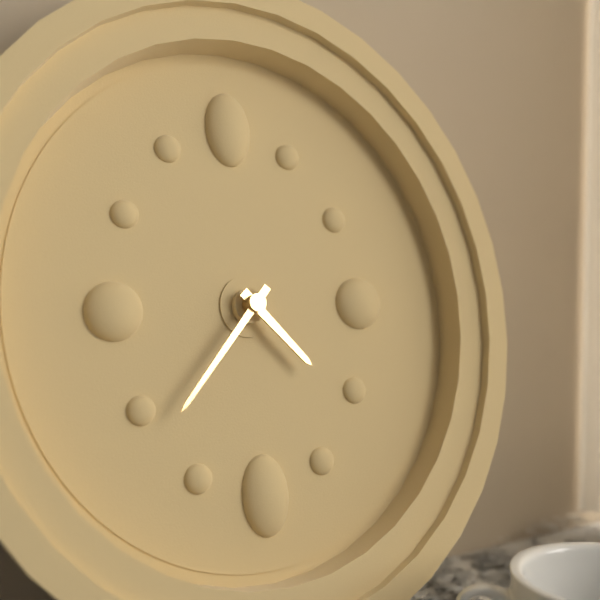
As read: 4:37
